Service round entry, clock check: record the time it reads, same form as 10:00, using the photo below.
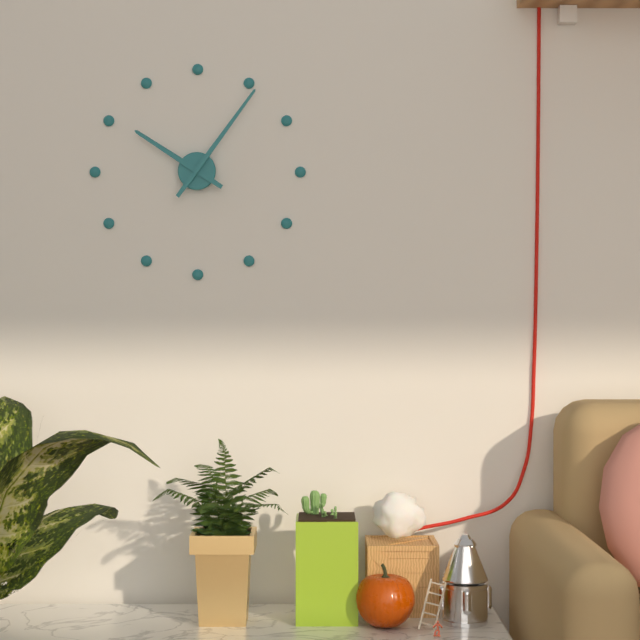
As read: 10:06
